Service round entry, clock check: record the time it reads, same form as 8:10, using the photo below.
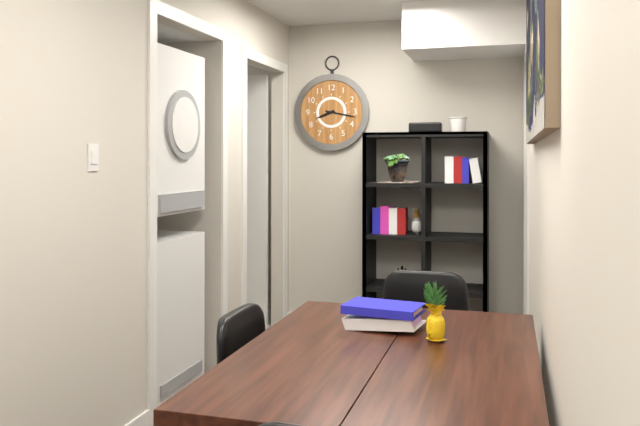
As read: 8:17
